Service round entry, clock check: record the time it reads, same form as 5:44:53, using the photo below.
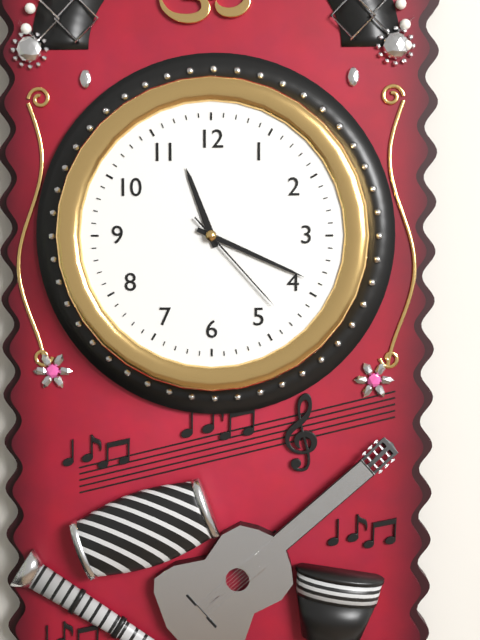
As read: 11:19:23
